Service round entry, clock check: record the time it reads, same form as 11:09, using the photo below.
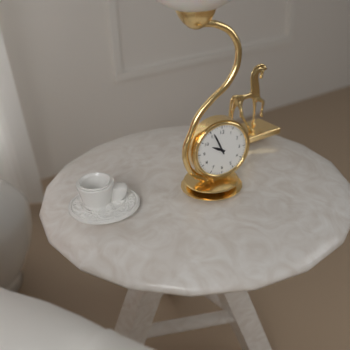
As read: 9:56
